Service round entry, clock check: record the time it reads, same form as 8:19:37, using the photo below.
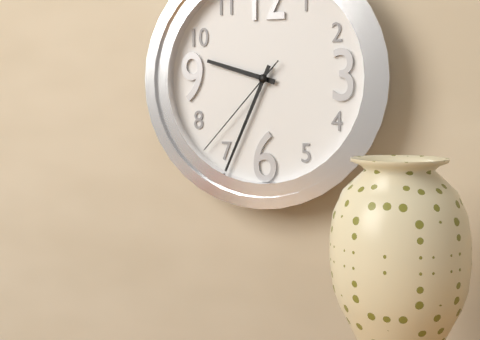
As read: 9:34:37
